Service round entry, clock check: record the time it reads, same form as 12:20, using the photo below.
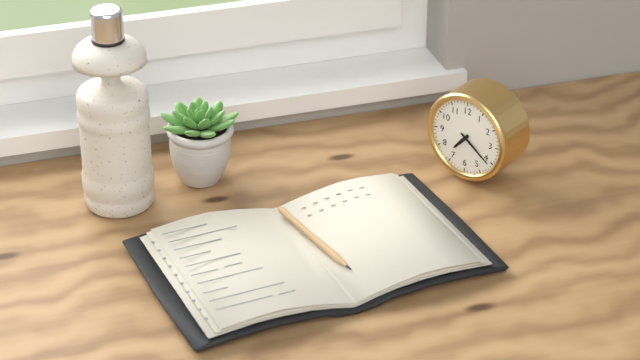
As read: 7:21
